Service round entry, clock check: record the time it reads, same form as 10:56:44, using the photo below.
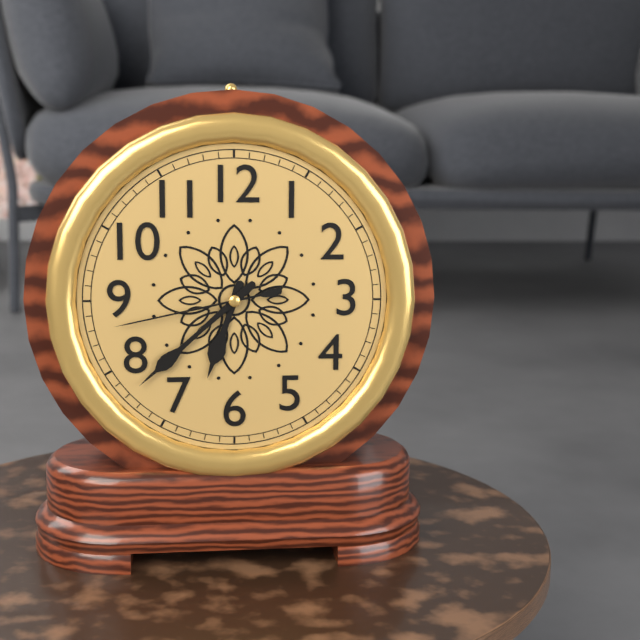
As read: 6:38:43
